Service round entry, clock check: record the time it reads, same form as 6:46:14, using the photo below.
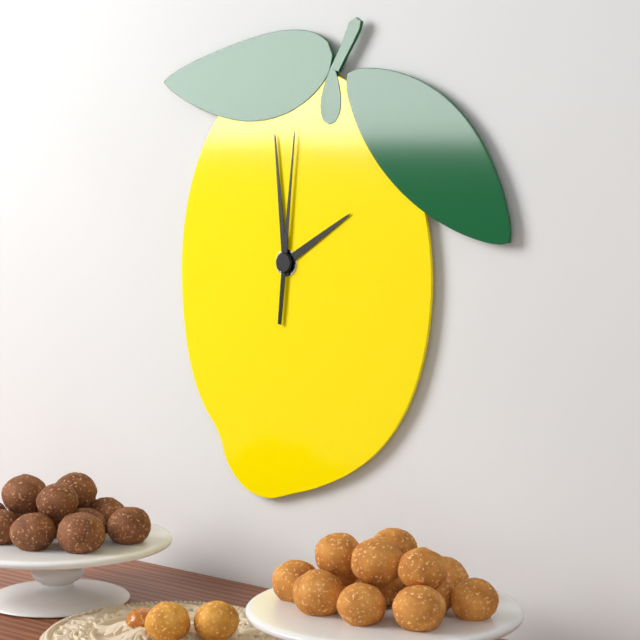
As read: 1:59:01
